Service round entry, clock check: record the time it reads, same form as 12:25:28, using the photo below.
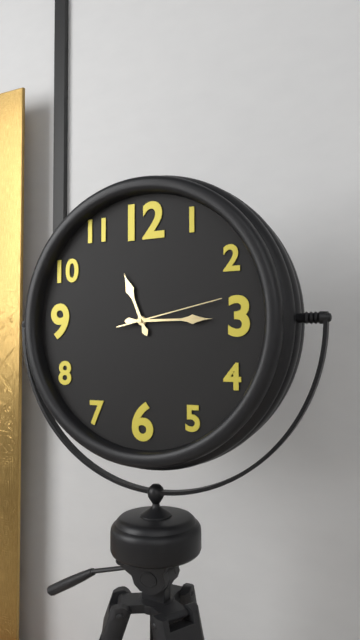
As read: 11:15:13
